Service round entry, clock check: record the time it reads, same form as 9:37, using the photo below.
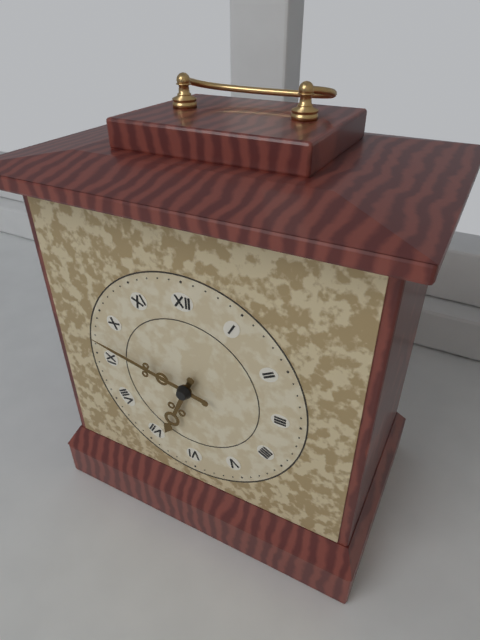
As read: 6:47
